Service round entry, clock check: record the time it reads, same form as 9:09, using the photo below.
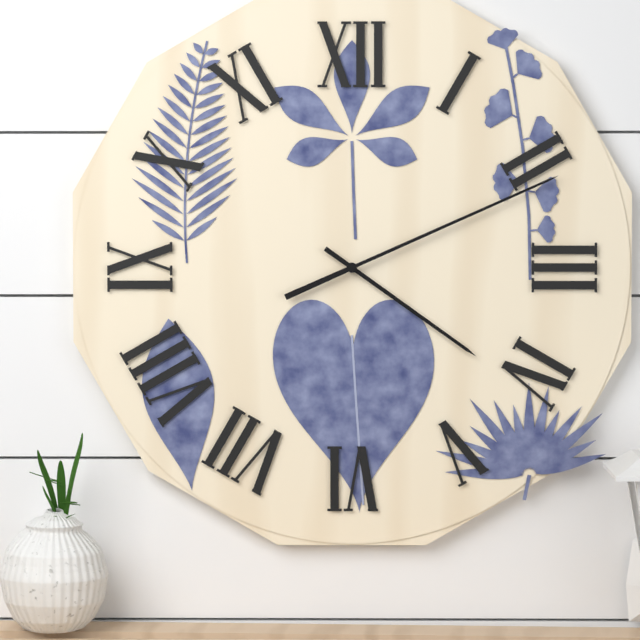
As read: 4:11
